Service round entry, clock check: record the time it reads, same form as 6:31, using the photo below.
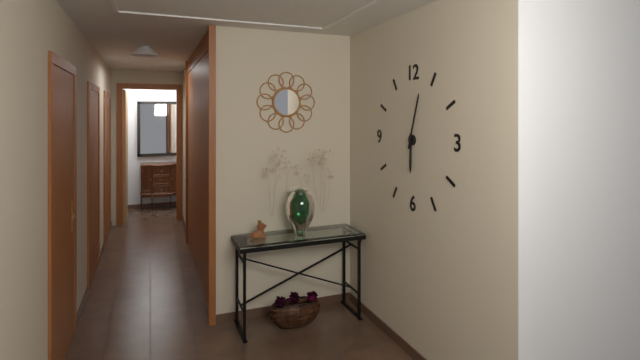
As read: 6:03
